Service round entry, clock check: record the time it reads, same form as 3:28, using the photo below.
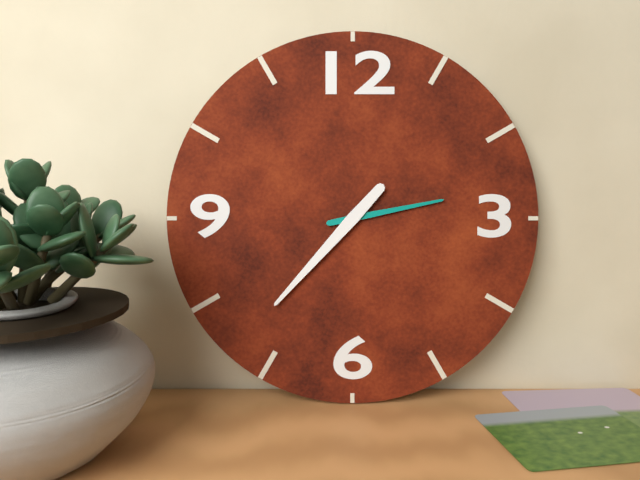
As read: 2:37
